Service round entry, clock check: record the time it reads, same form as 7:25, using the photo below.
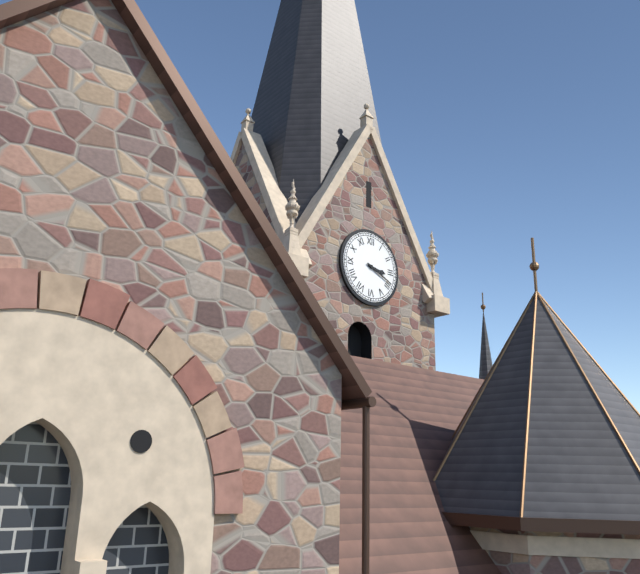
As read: 3:19
